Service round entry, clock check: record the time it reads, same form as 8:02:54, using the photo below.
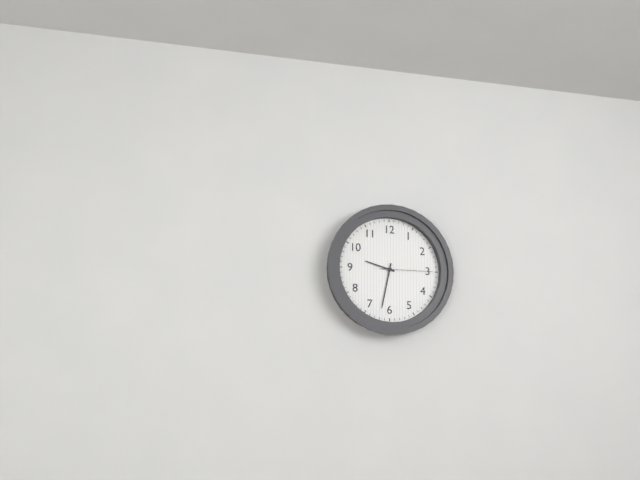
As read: 9:32:15
